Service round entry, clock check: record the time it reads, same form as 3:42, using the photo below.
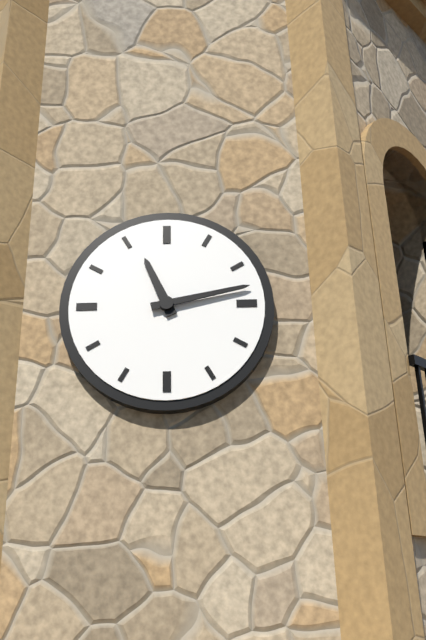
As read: 11:13
